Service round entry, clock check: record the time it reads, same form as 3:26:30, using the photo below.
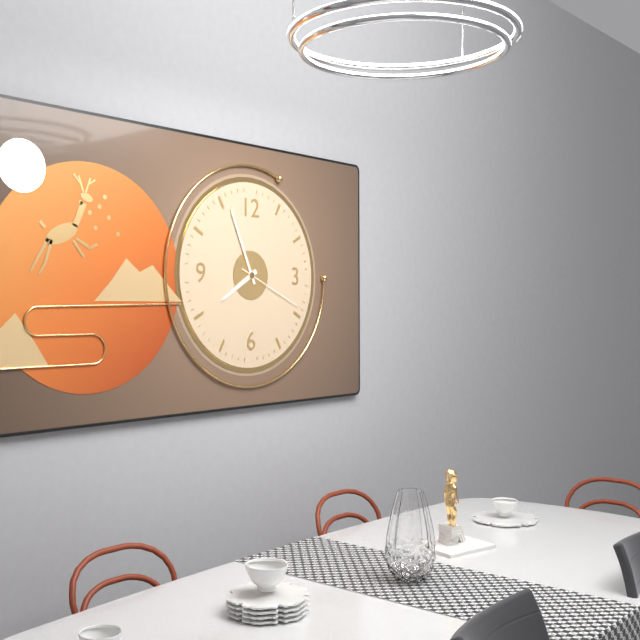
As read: 7:56:19
